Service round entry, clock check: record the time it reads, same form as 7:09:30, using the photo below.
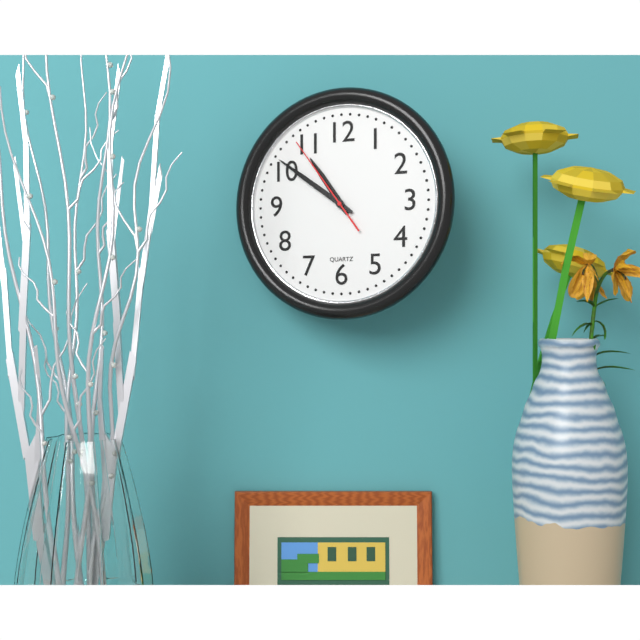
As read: 10:51:54
